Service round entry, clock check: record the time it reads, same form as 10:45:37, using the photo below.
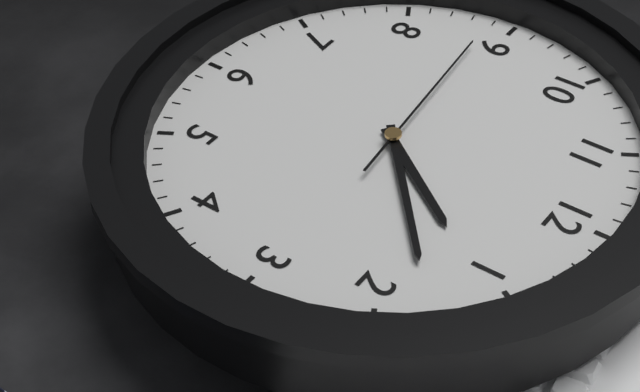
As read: 1:08:44
